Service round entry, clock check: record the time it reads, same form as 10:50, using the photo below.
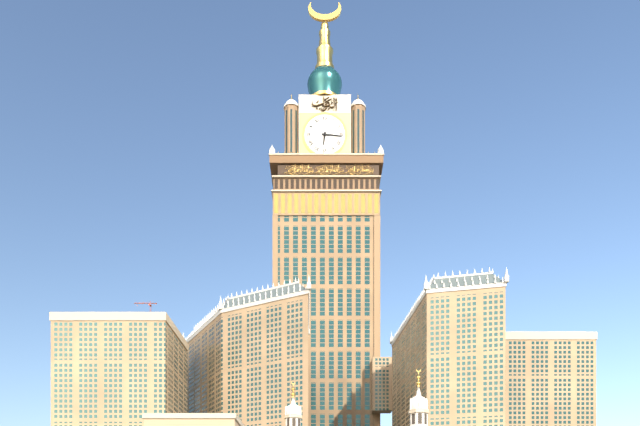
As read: 6:16
